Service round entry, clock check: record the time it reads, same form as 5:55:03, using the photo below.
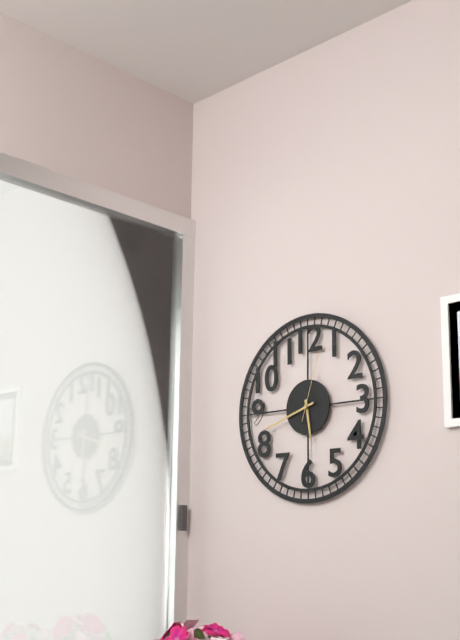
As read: 5:42:03
